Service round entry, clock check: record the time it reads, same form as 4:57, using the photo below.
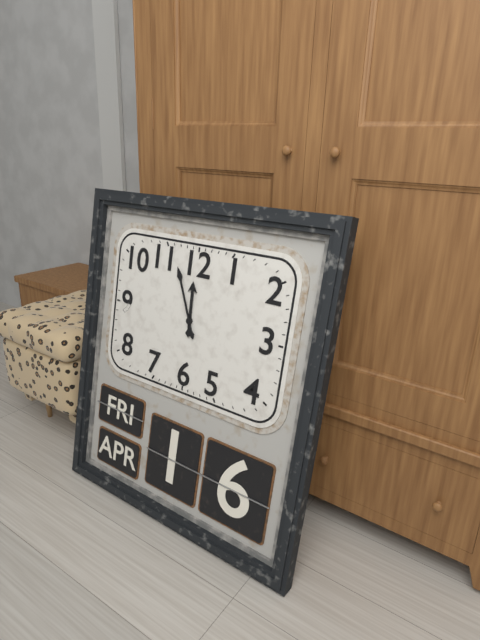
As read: 11:56
